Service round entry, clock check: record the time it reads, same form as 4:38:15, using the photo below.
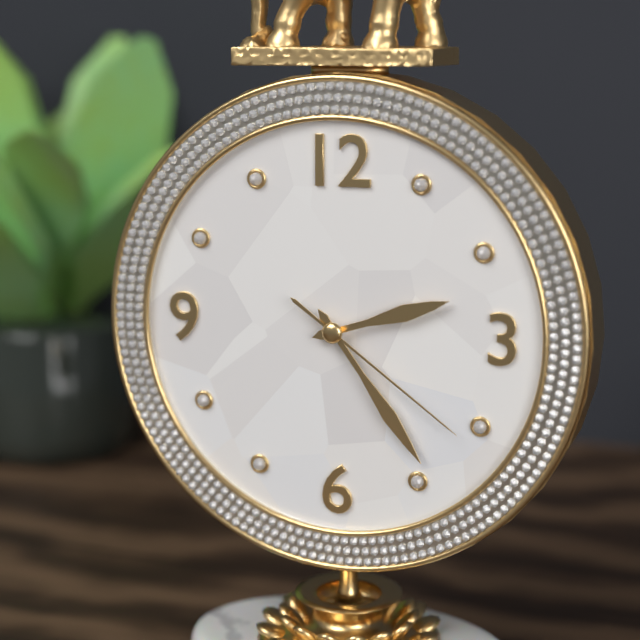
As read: 2:24:21
